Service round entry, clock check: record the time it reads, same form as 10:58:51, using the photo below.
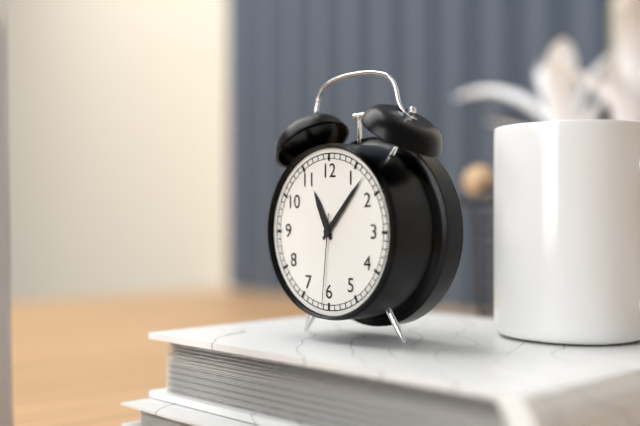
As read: 11:07:31
